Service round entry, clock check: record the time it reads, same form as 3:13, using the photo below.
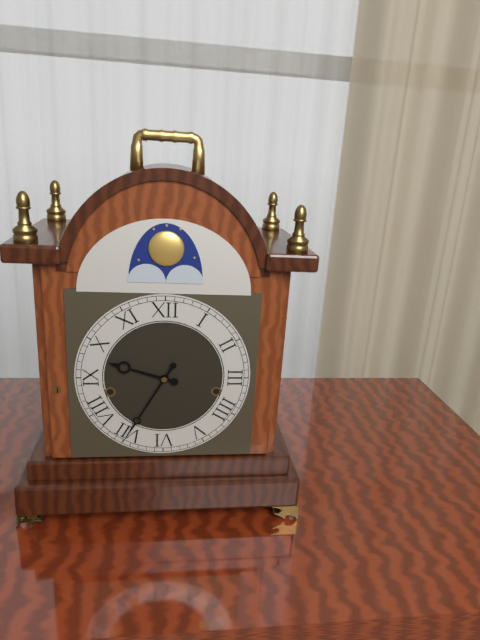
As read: 9:35
